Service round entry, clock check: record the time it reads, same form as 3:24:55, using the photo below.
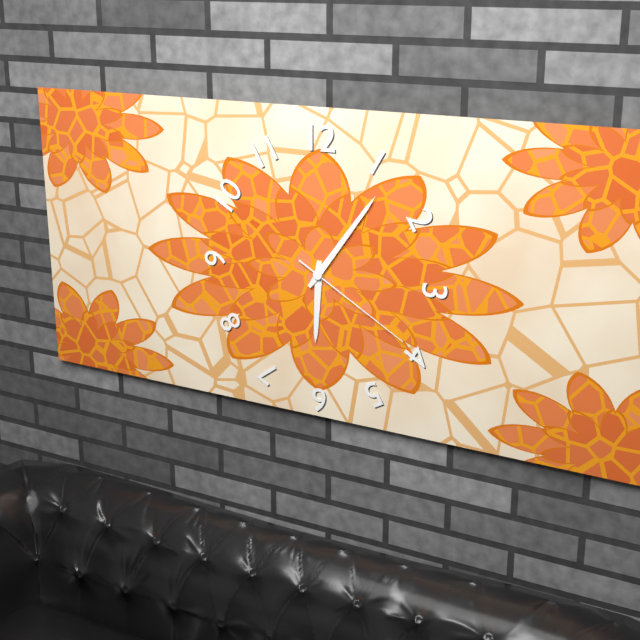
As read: 6:06:20
